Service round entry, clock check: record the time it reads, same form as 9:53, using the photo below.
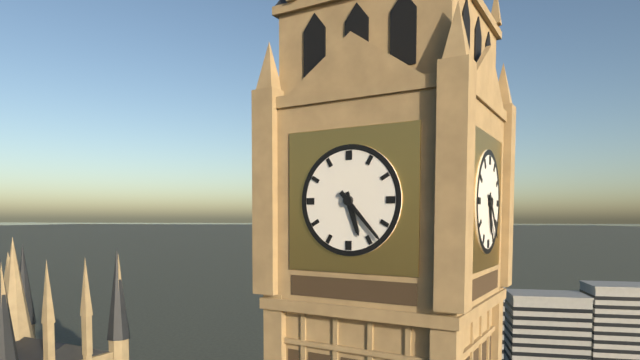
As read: 5:23
